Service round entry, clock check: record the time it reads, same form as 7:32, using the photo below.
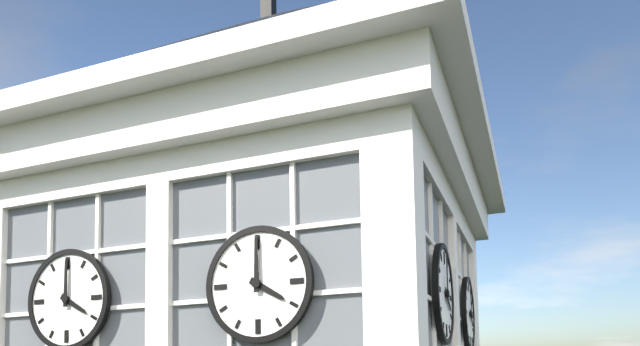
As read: 4:00
